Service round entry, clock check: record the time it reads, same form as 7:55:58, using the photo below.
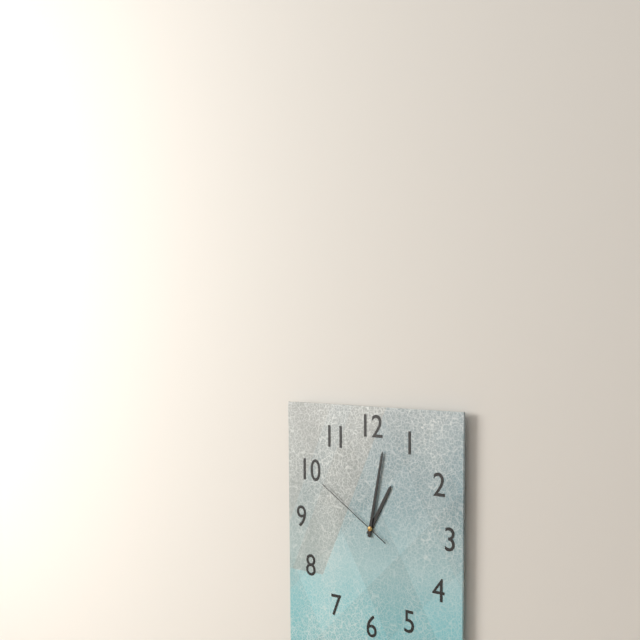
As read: 1:02:50
